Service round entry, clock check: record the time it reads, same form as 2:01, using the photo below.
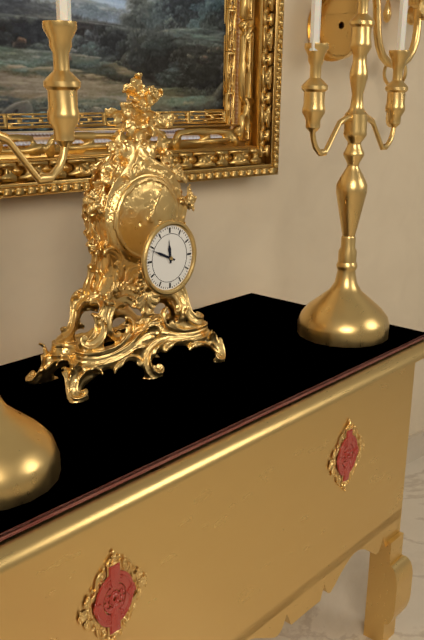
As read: 11:49
